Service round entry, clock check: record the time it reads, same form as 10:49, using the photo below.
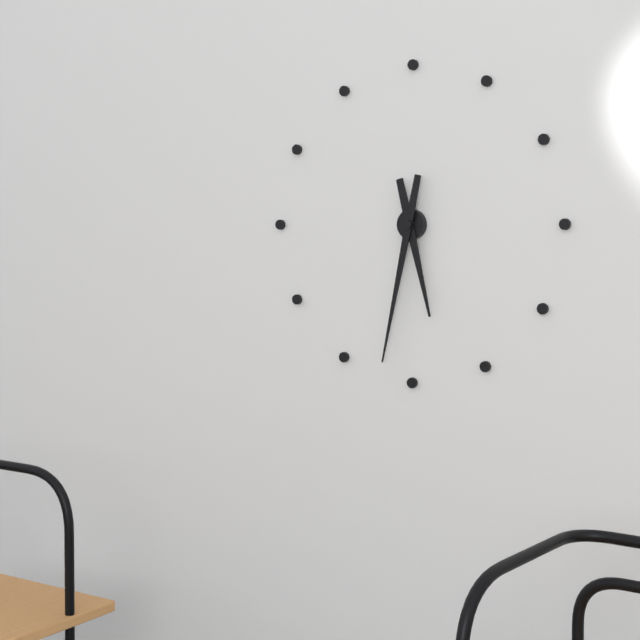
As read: 5:32
